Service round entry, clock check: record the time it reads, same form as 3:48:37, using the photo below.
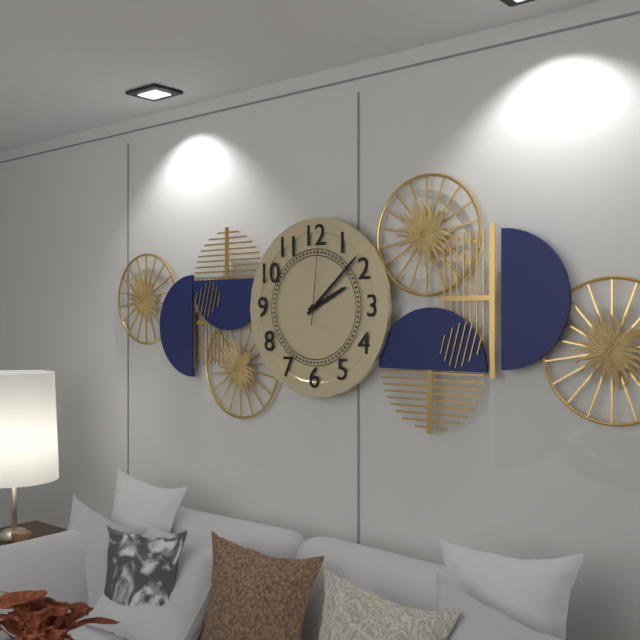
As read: 2:08:01
